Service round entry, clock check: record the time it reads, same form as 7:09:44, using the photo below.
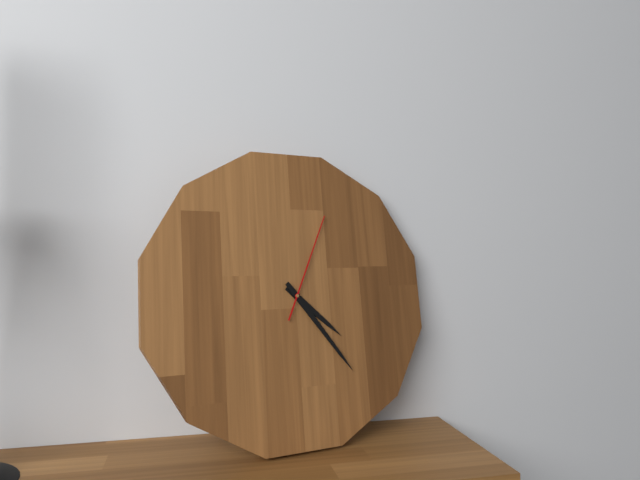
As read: 4:24:04
